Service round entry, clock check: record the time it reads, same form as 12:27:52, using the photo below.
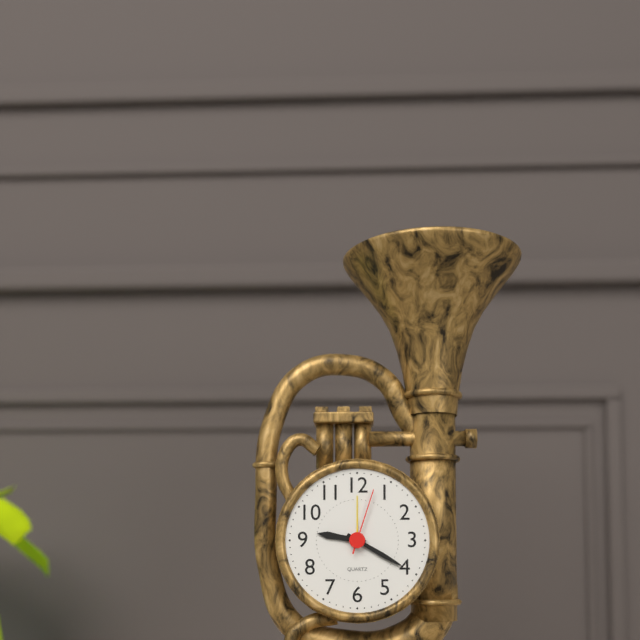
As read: 9:20:03
